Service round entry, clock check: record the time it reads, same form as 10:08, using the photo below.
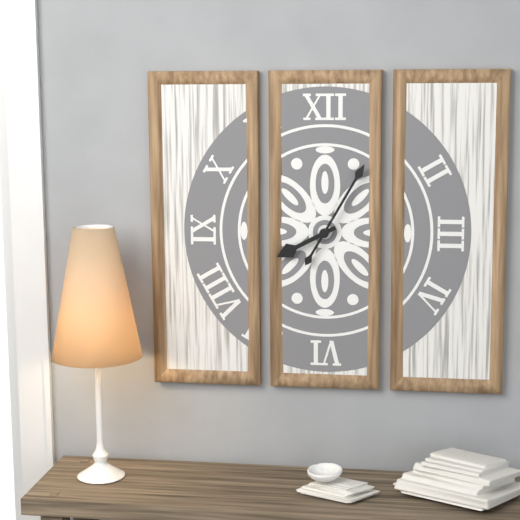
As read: 8:05
